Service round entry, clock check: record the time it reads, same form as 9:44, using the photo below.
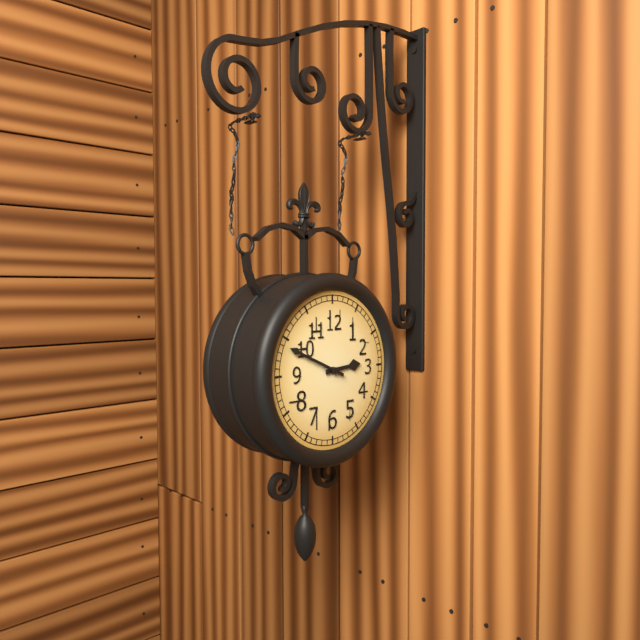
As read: 2:49
